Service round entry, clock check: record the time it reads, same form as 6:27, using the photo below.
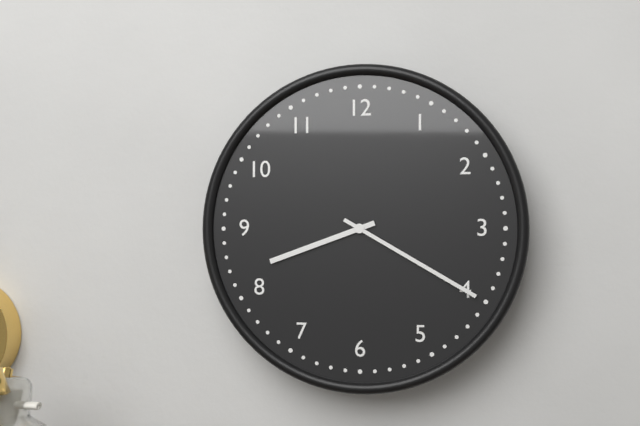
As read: 8:20
